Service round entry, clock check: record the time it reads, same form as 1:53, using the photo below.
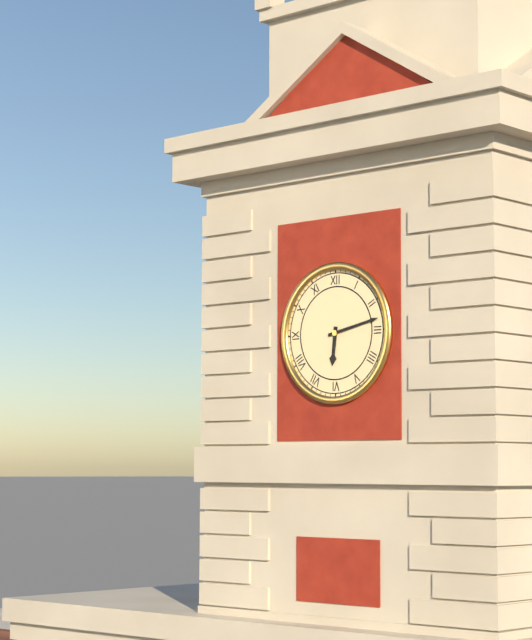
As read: 6:13
